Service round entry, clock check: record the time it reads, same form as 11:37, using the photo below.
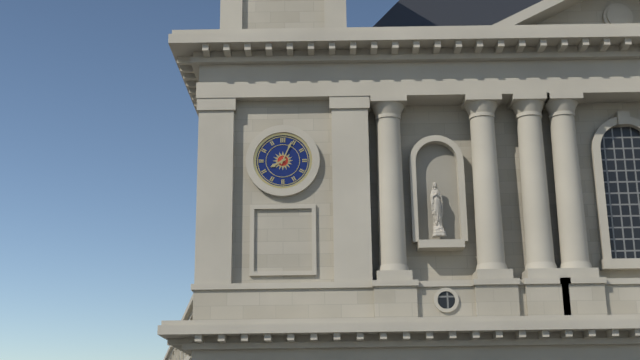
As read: 8:04
